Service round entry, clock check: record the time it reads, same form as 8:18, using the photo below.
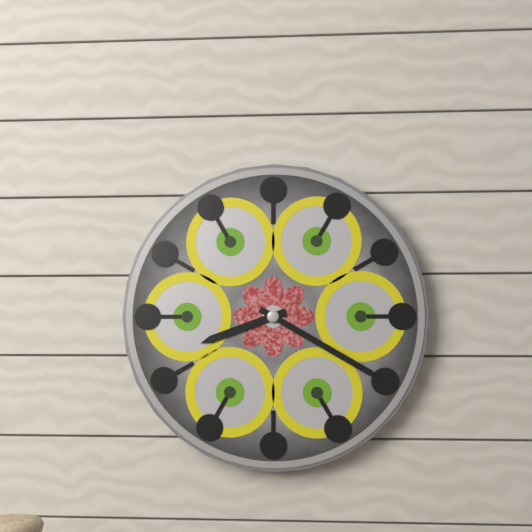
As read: 8:20
